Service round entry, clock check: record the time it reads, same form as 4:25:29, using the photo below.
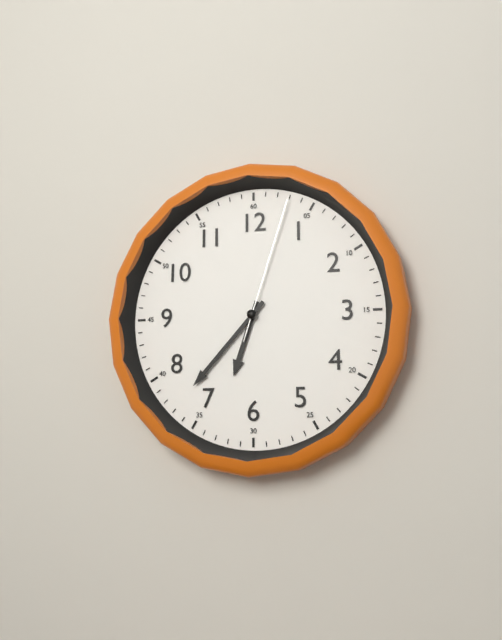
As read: 6:37:03
